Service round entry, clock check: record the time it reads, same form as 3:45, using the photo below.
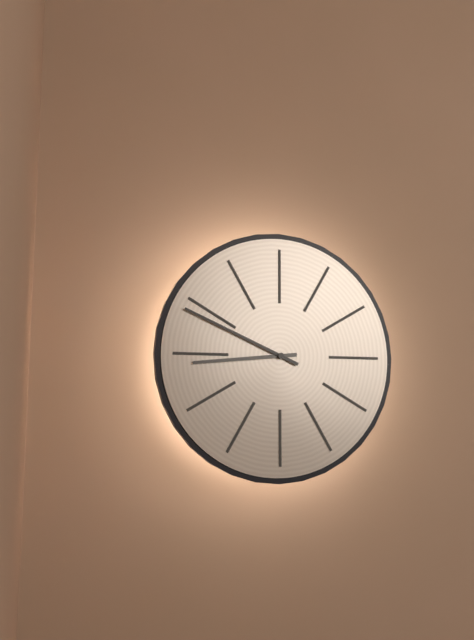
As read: 8:49
